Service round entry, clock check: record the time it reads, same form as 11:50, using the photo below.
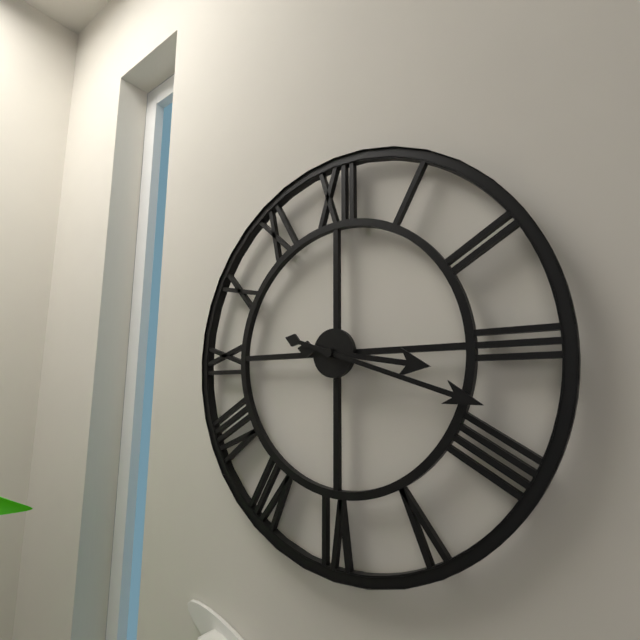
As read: 3:18
